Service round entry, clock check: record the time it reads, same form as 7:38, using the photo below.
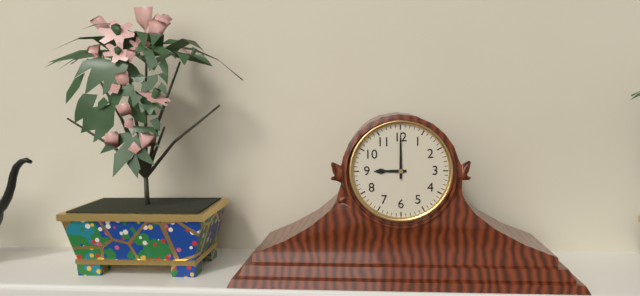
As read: 9:00
